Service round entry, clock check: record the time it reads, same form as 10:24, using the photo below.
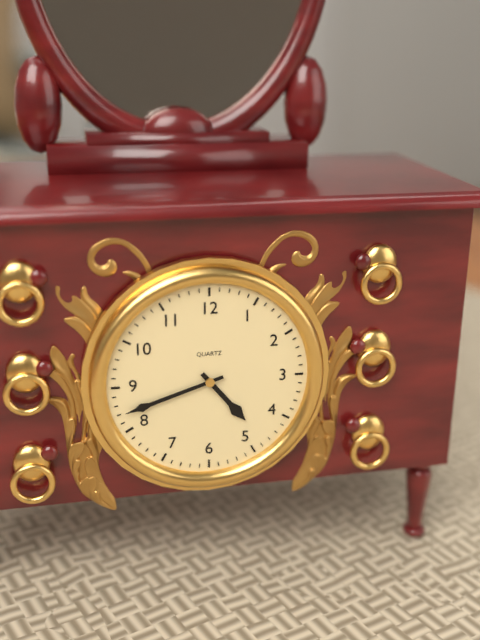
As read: 4:42
